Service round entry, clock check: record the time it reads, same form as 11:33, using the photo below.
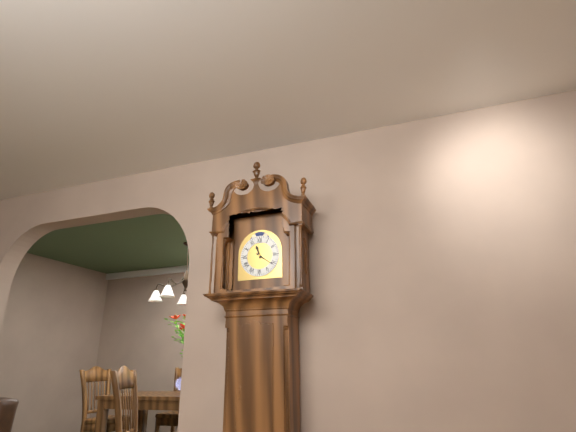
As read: 11:21
